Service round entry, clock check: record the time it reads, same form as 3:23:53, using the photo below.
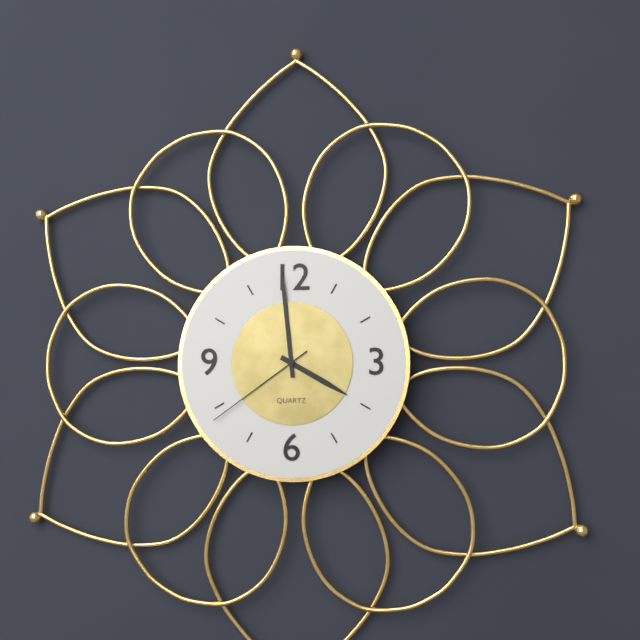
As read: 3:59:39
